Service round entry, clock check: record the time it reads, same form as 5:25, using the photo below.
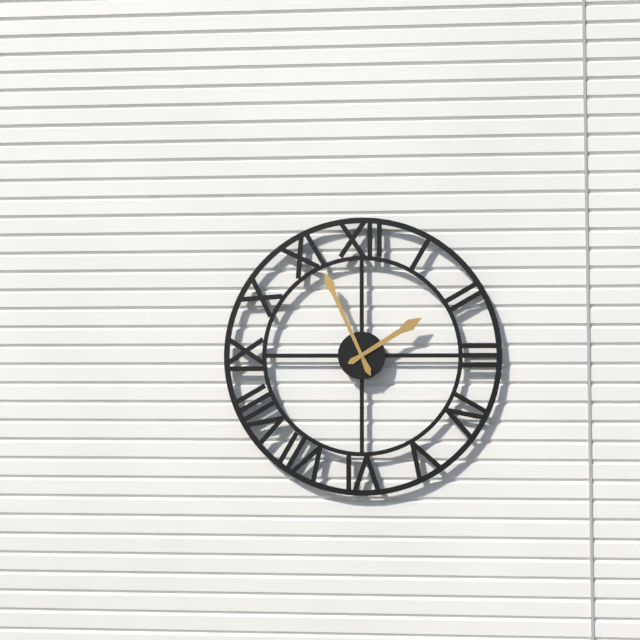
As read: 1:56
